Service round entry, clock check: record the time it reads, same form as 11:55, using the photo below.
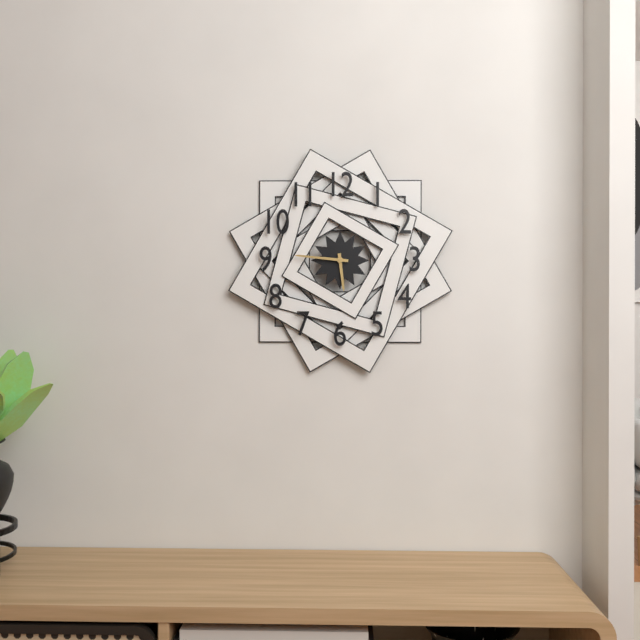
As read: 5:46
